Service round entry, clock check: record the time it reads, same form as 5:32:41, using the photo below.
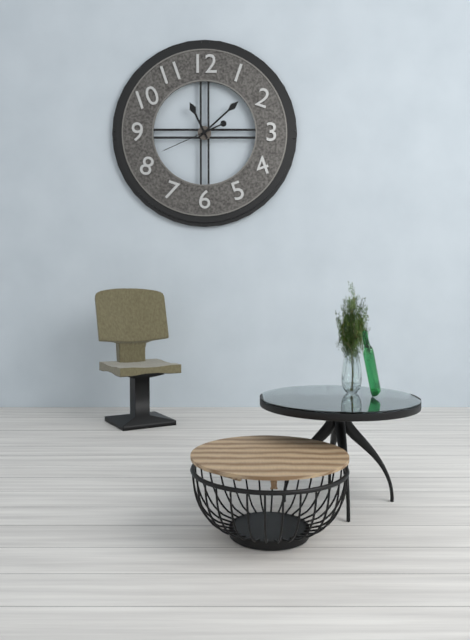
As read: 11:08:41
